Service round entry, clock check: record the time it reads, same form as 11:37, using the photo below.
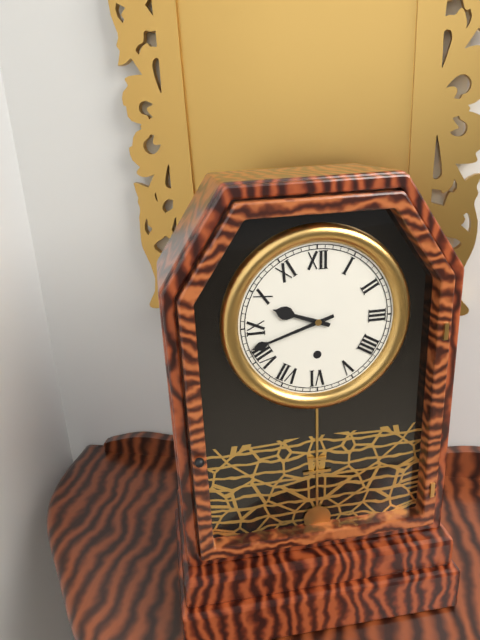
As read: 9:42
